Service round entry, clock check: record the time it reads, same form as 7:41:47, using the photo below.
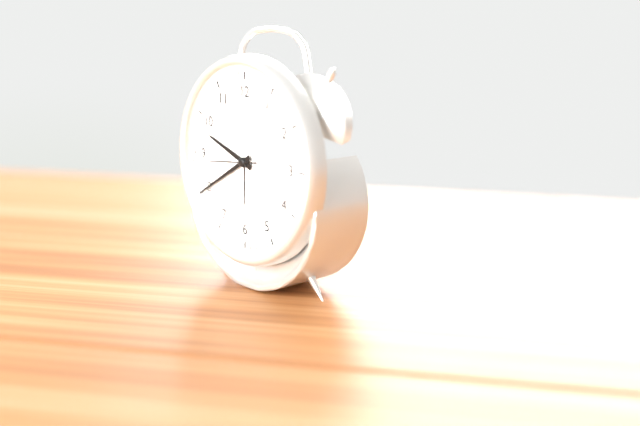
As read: 9:40:44
